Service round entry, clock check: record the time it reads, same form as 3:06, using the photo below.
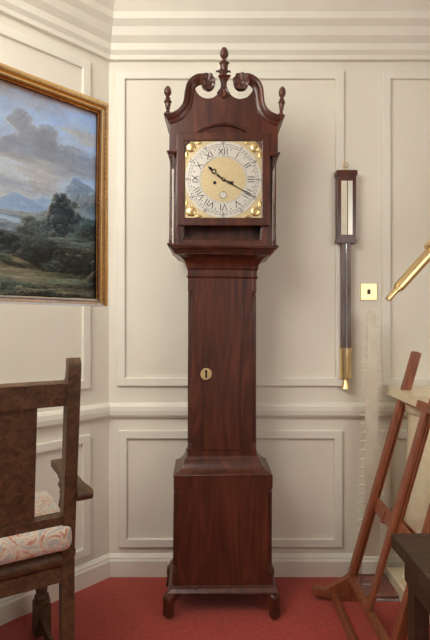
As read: 10:20
